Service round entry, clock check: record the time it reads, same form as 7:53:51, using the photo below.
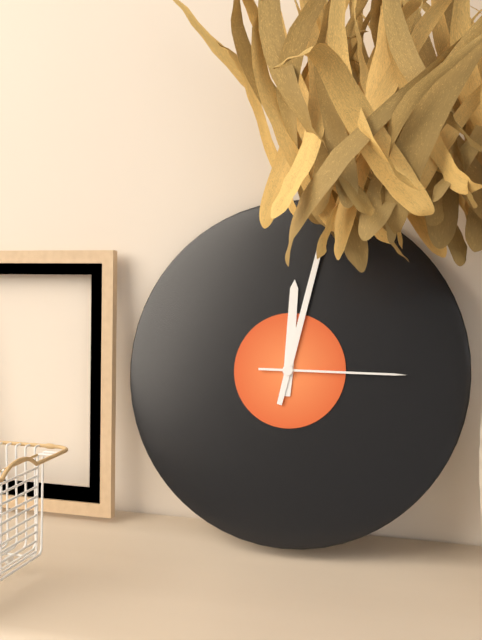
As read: 12:02:15
